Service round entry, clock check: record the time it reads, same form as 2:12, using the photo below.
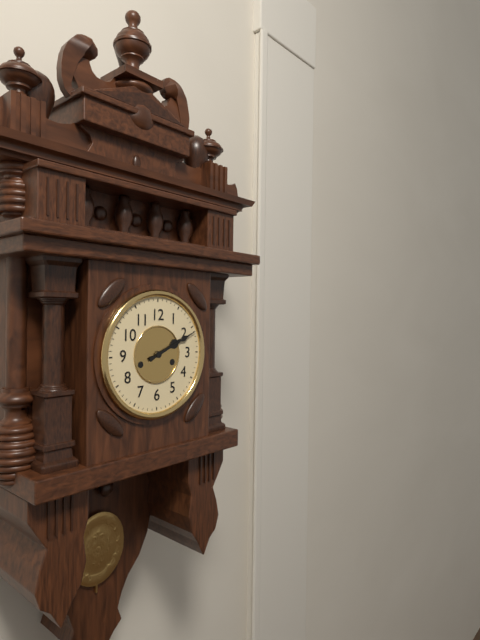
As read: 2:11
